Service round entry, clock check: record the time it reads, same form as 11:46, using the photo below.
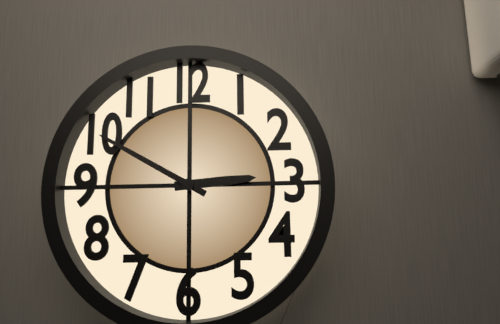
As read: 2:50
